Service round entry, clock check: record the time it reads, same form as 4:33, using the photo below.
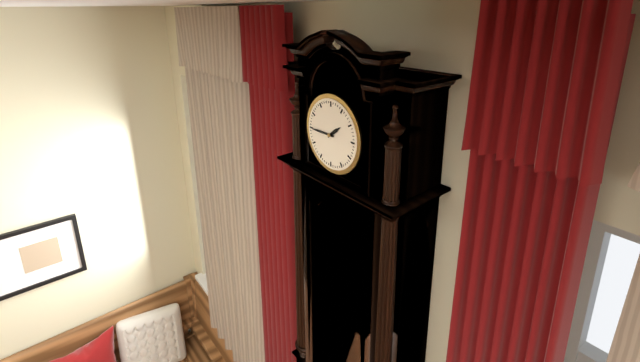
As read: 1:45
